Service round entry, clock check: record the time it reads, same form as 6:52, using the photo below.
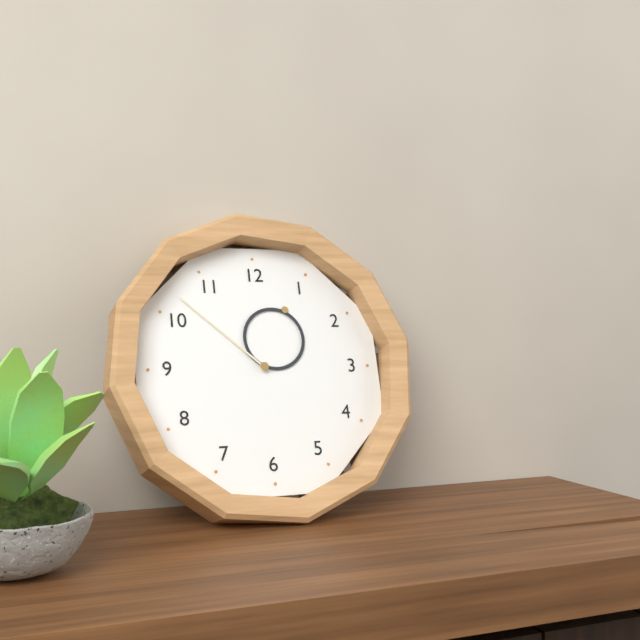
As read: 12:52
